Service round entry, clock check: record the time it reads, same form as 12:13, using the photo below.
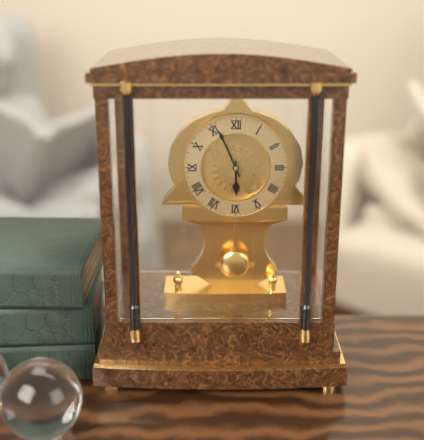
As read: 5:56
